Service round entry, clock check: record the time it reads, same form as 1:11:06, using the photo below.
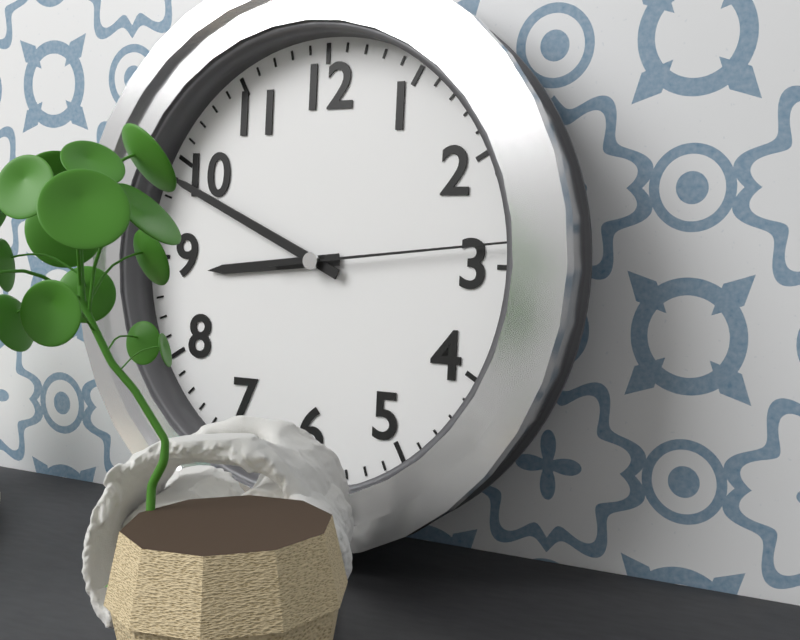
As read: 8:49:14
